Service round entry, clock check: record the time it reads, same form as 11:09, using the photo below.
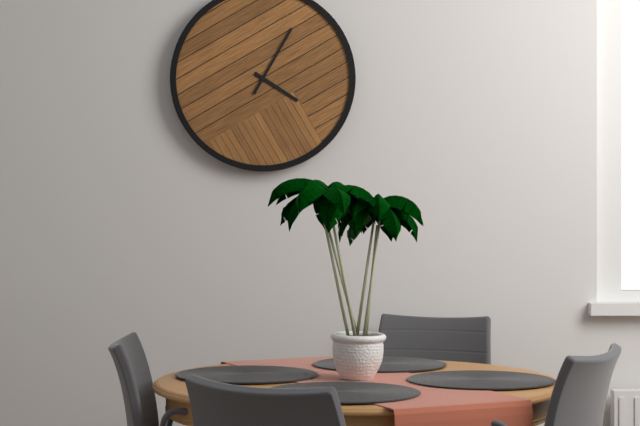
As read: 4:05
